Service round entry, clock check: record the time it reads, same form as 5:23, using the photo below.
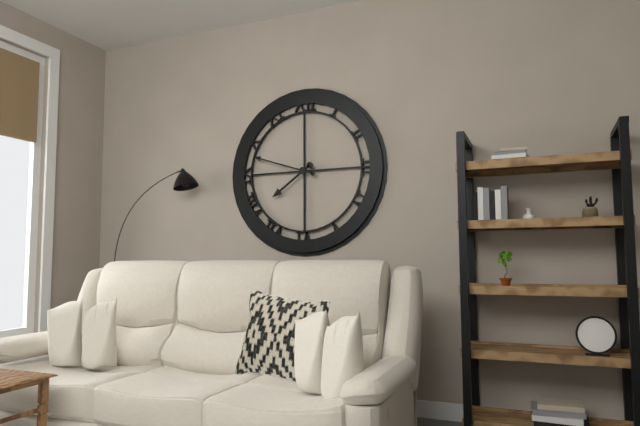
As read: 7:48
